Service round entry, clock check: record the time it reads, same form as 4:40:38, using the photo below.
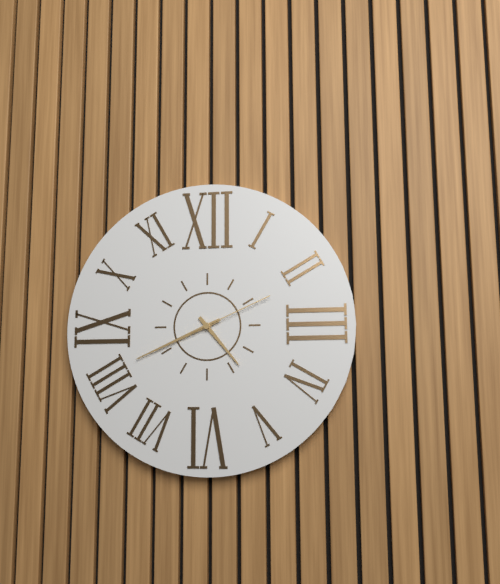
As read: 4:41:11
